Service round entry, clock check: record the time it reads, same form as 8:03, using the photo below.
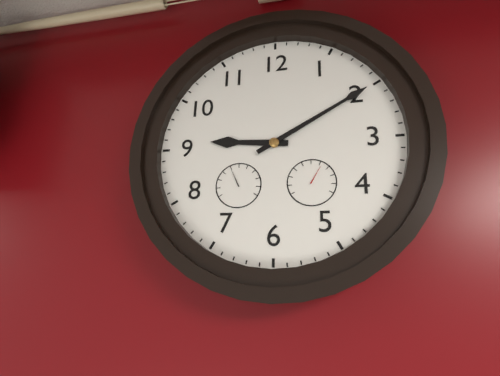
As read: 9:10
